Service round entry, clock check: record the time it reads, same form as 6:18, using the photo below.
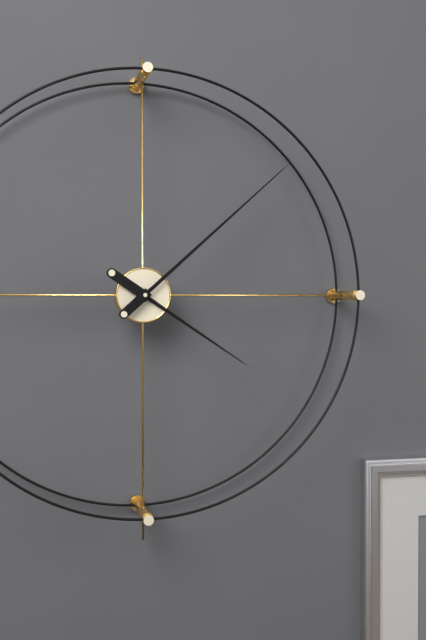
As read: 4:08
